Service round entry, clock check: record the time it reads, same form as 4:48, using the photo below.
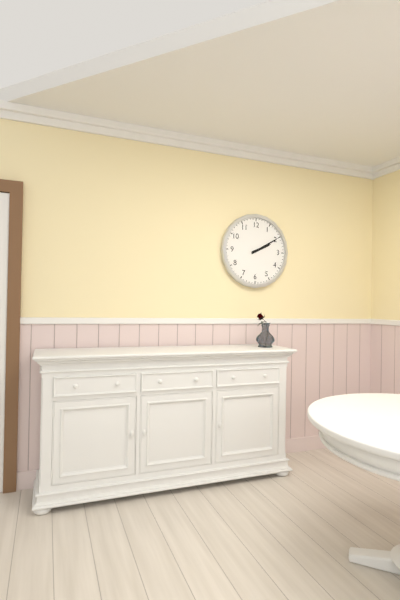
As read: 2:10
